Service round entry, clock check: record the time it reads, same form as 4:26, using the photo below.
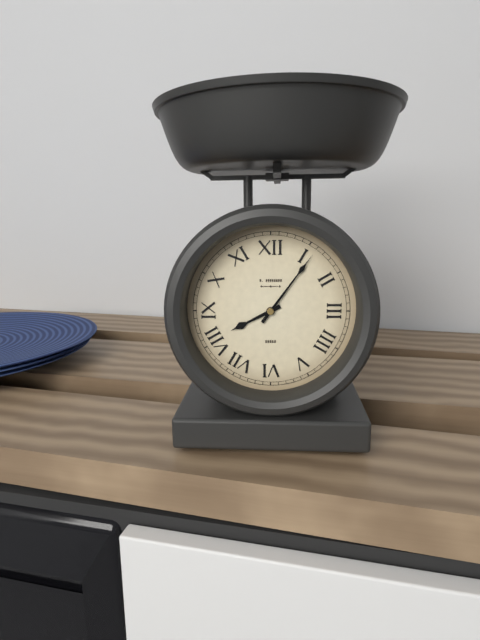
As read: 8:06
